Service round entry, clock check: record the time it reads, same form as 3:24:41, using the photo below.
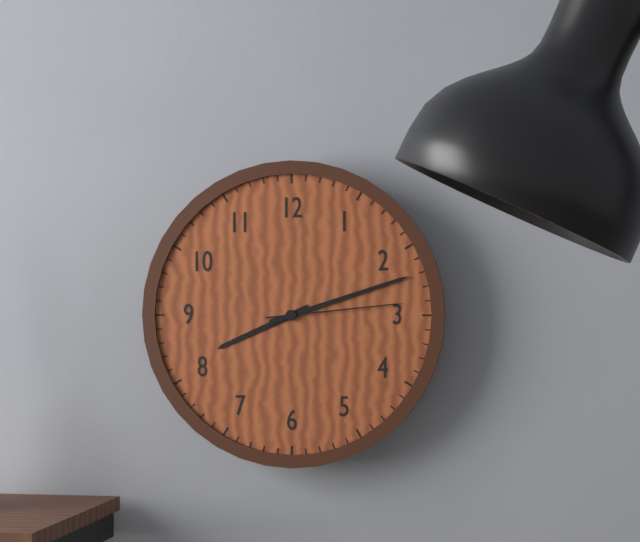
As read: 8:12:14
